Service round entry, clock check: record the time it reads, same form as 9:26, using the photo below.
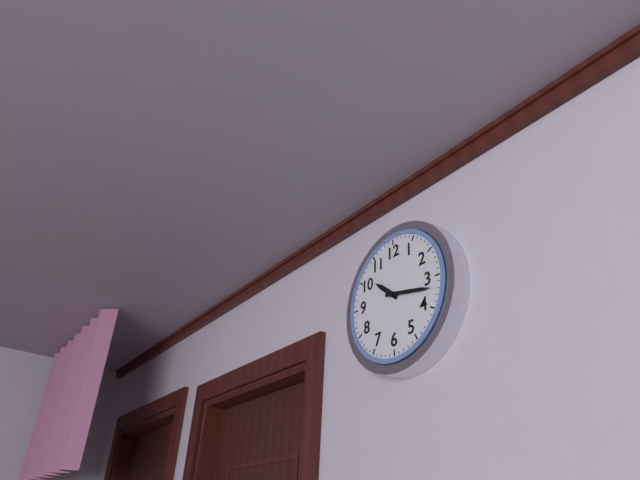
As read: 10:17
